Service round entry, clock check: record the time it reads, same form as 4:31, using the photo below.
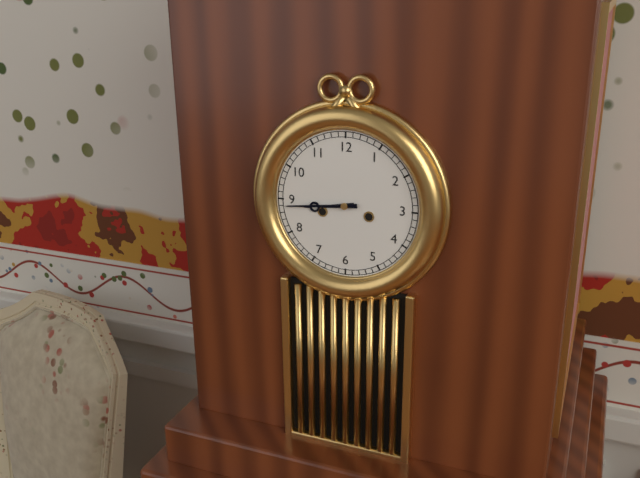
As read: 8:44
